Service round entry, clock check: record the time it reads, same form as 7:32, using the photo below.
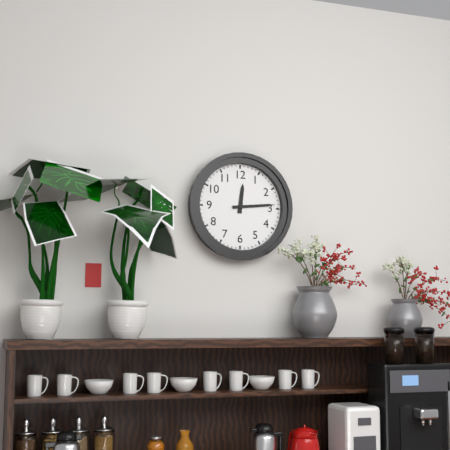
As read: 12:14
